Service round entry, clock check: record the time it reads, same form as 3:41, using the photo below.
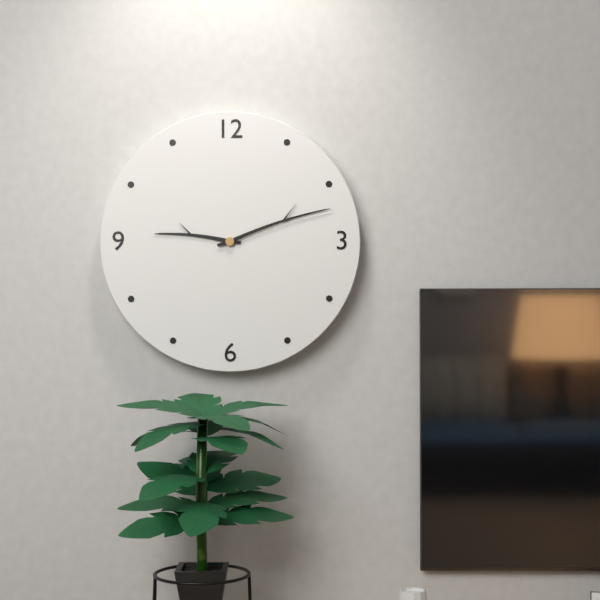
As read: 9:12
